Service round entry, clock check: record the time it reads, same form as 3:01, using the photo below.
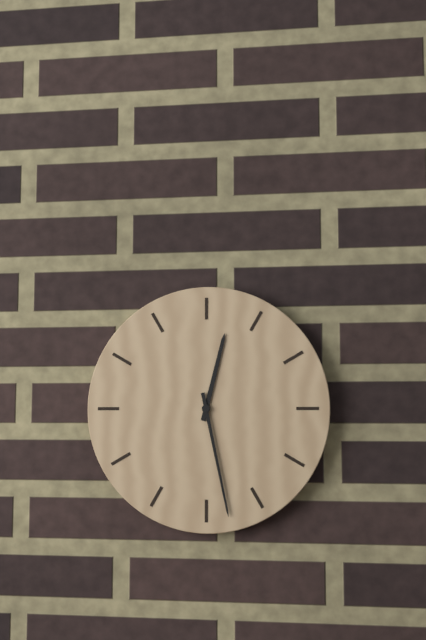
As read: 12:28
